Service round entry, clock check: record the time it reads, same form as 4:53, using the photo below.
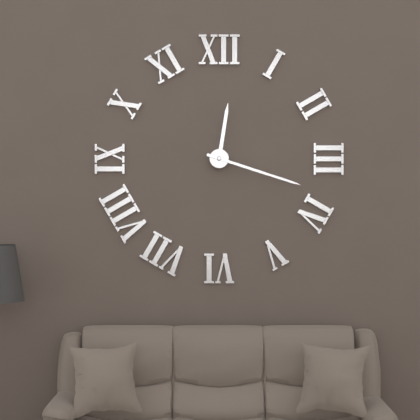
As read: 12:18
